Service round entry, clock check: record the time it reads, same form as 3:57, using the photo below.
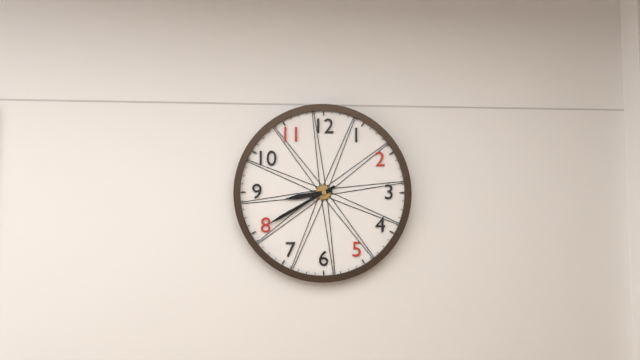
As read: 8:40
